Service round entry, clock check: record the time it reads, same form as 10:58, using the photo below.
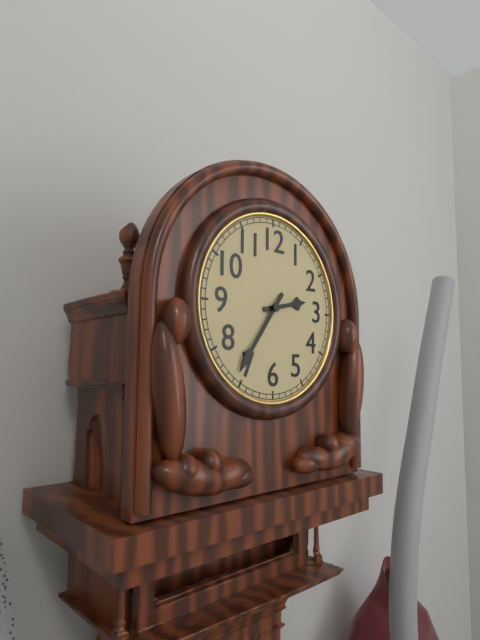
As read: 2:36
